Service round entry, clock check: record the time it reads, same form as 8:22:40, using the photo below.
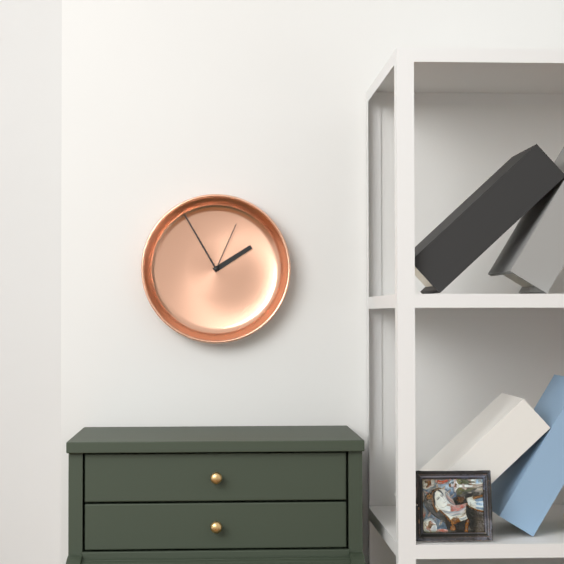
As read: 1:55:04
